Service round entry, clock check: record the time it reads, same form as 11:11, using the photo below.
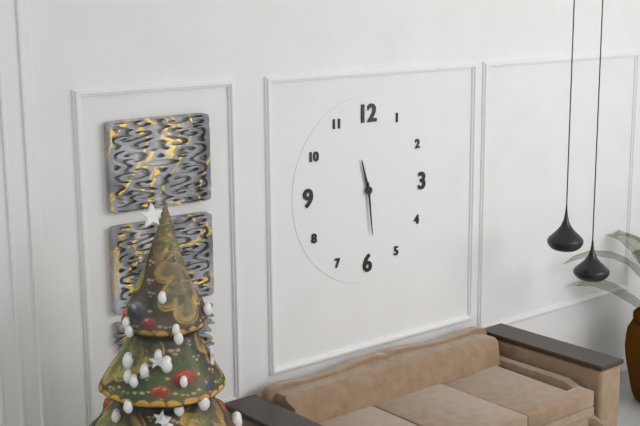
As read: 11:29
